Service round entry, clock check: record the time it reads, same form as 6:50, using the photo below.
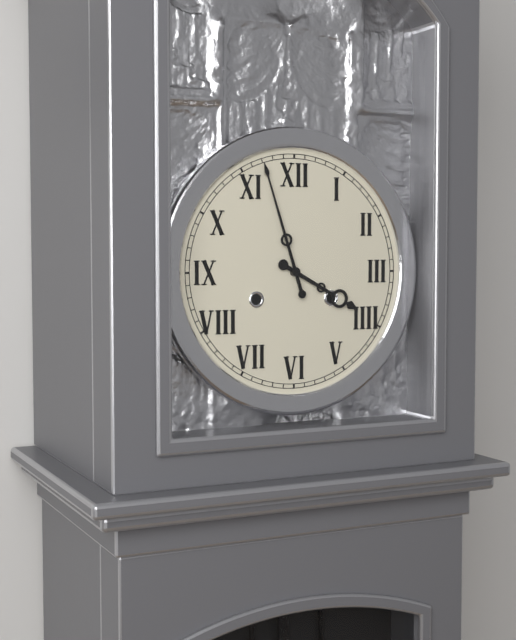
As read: 3:57
